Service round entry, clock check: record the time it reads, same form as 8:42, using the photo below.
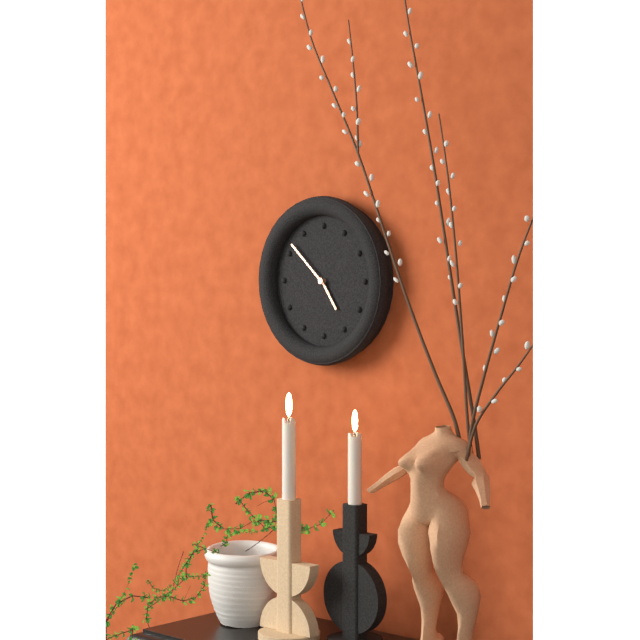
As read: 4:52
